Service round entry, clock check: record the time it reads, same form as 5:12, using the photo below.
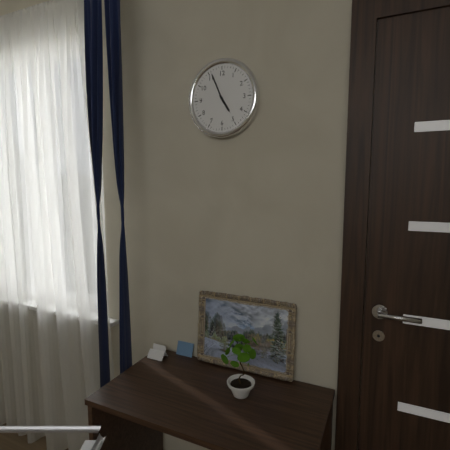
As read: 4:56
